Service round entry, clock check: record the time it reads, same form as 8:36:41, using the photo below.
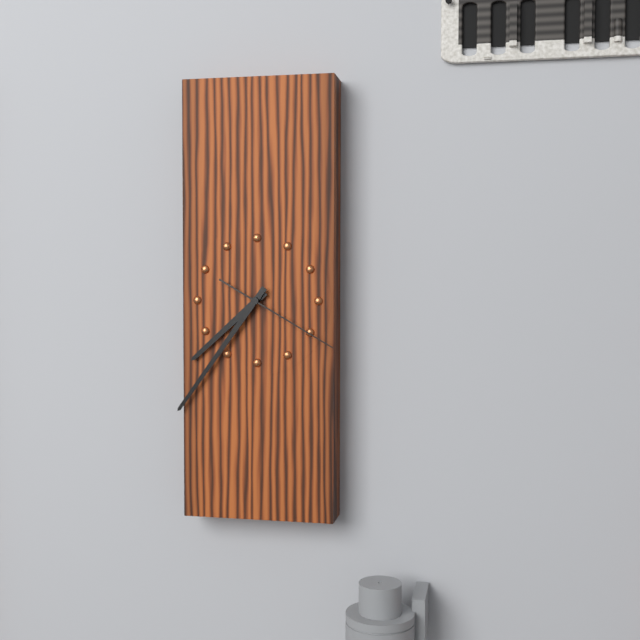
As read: 7:36:20
